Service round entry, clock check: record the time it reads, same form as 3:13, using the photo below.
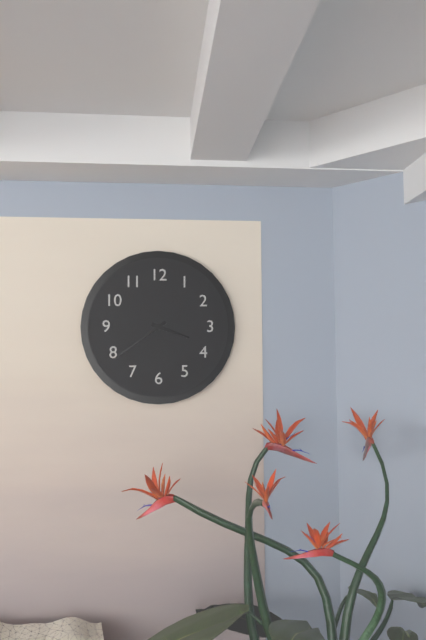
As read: 3:39
